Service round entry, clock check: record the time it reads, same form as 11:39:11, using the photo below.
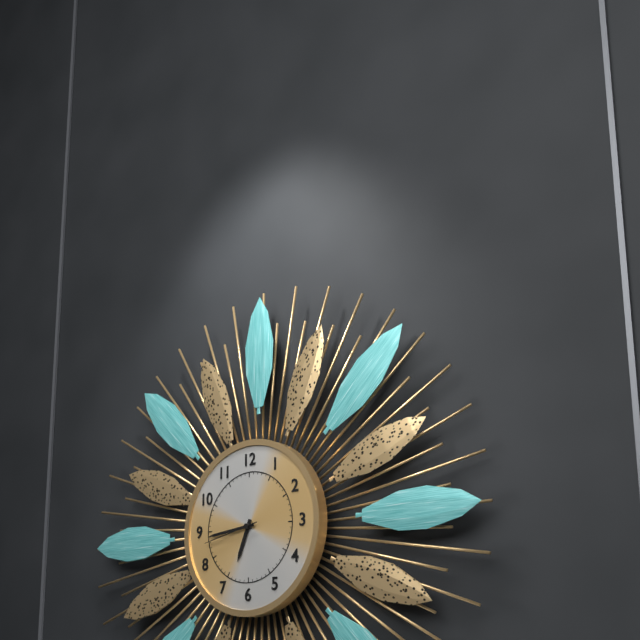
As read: 6:44:43
